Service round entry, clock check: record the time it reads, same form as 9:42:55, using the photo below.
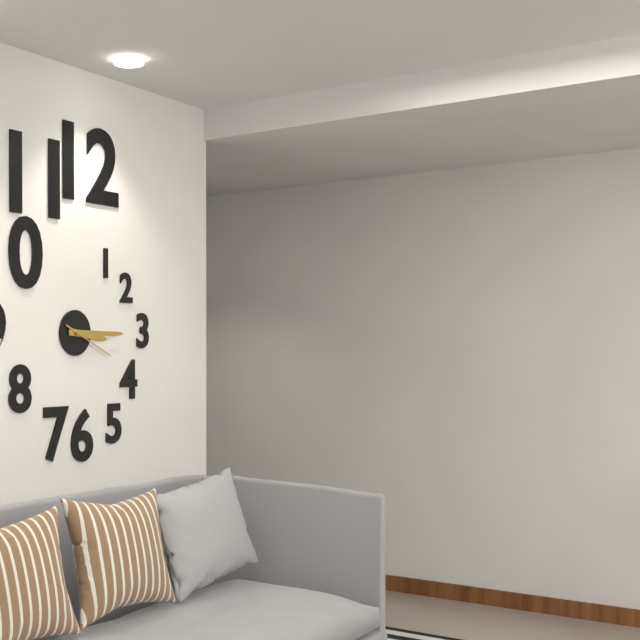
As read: 3:15:19
